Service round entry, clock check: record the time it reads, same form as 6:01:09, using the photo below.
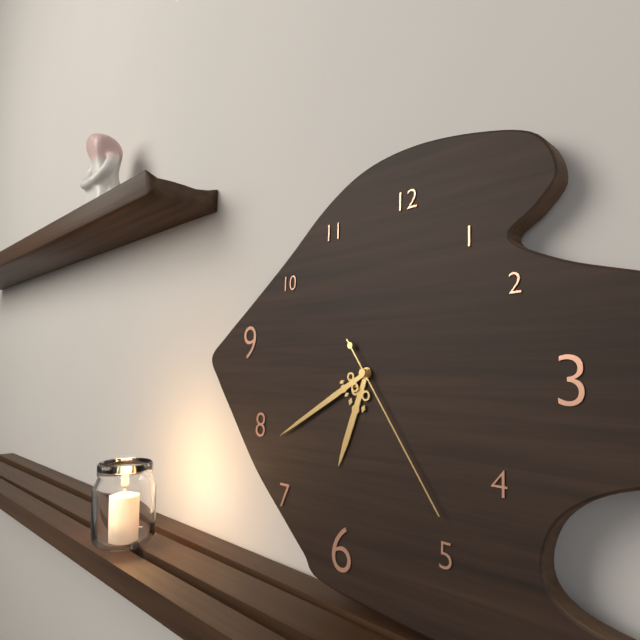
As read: 6:40:24
